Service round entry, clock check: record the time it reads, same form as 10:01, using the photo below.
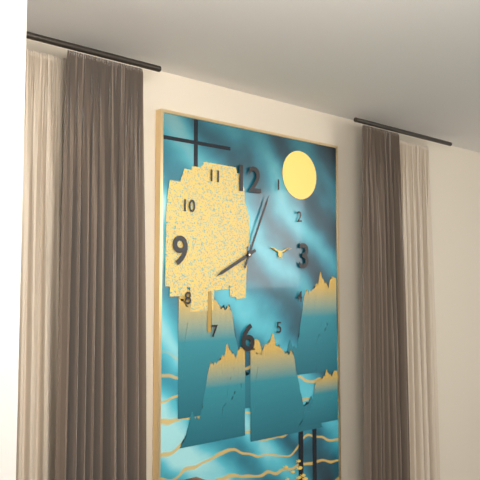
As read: 8:04
